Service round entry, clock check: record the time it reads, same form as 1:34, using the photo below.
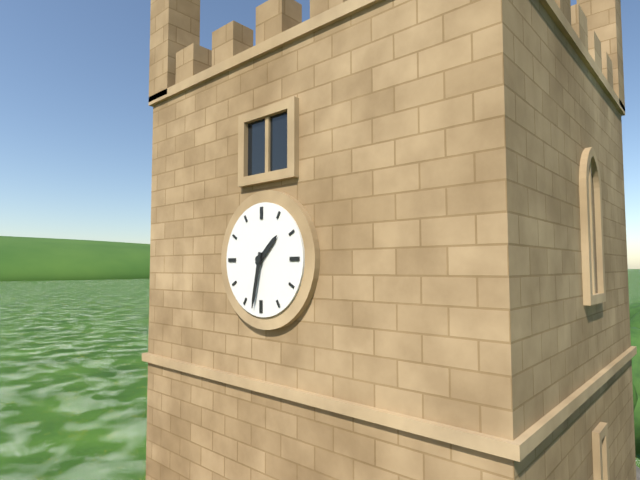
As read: 1:32
